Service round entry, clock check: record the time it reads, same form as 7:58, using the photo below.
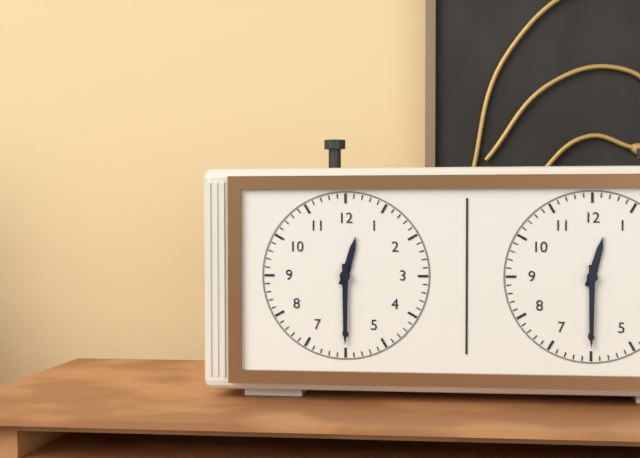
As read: 12:30
